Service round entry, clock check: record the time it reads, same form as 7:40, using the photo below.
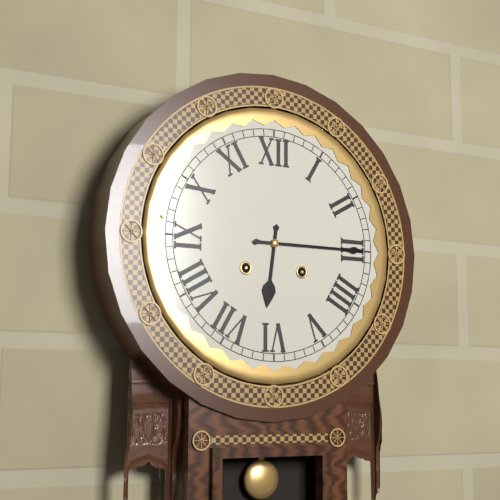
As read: 6:15
